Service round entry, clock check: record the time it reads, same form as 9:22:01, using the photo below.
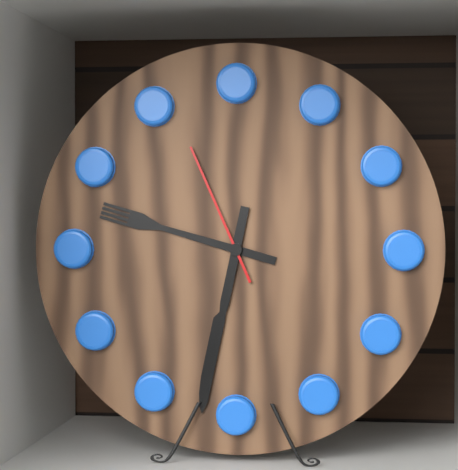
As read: 9:32:56
